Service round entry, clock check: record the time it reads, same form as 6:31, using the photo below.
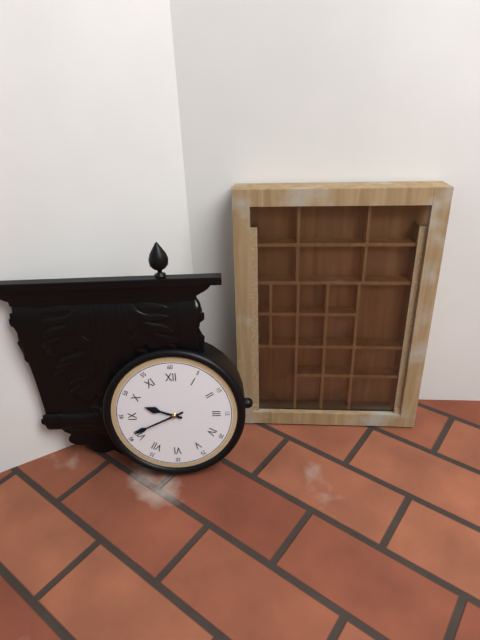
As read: 9:41
